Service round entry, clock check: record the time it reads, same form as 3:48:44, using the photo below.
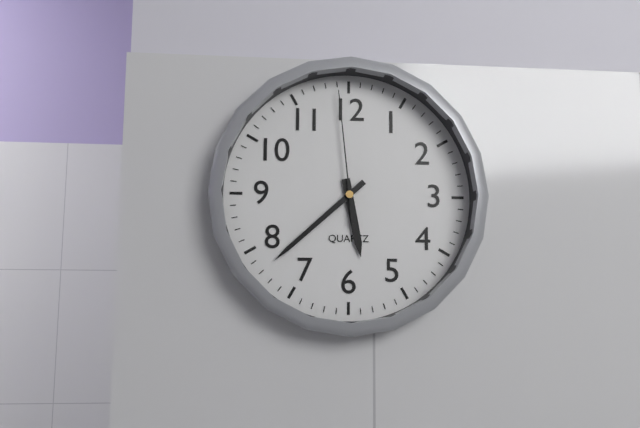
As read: 5:38:59
